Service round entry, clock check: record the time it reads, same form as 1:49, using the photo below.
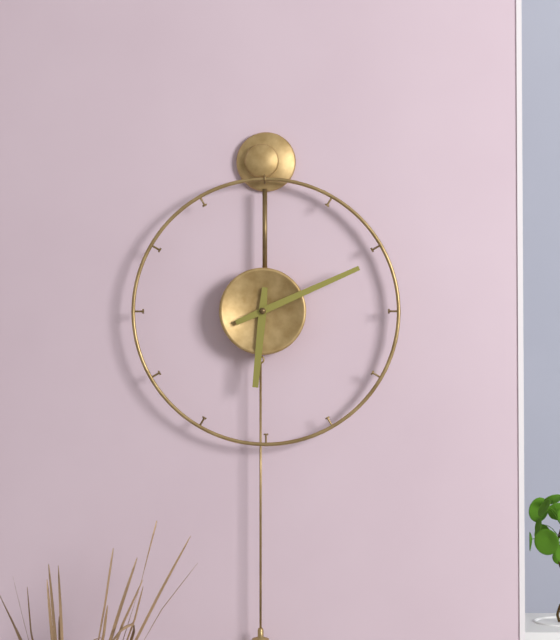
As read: 6:11
